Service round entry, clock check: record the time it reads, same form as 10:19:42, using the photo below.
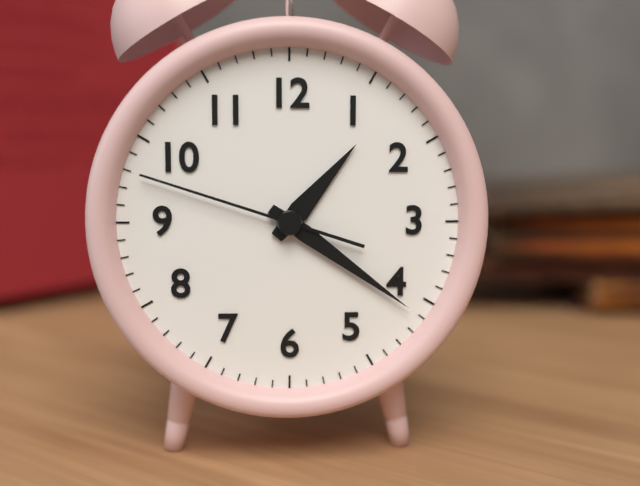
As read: 1:21:48
